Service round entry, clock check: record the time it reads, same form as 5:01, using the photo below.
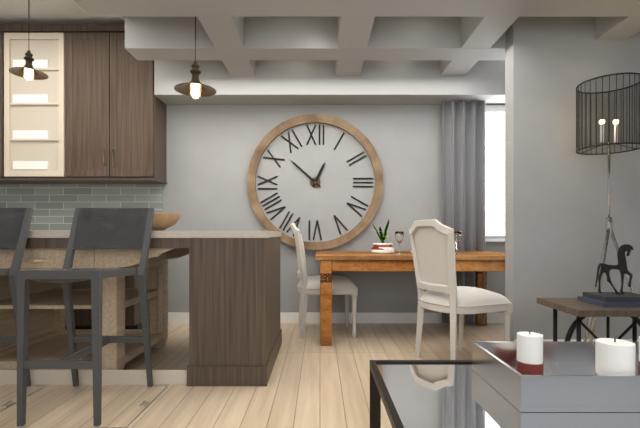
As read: 12:52
